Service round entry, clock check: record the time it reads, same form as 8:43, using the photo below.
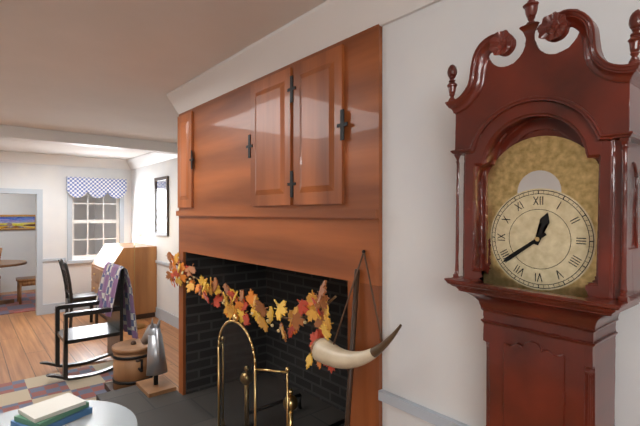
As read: 12:39
